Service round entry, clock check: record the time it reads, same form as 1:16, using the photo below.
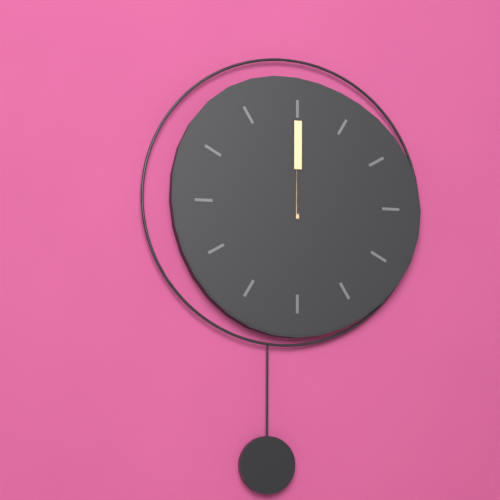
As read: 12:00
